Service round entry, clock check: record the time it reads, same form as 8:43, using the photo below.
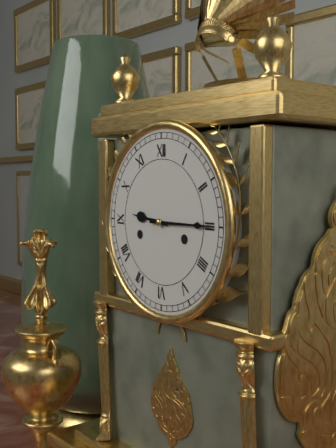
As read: 9:15
